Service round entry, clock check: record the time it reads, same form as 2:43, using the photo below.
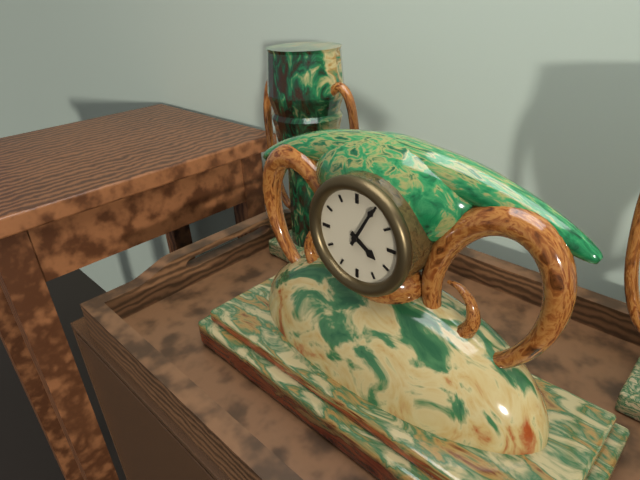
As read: 4:05
